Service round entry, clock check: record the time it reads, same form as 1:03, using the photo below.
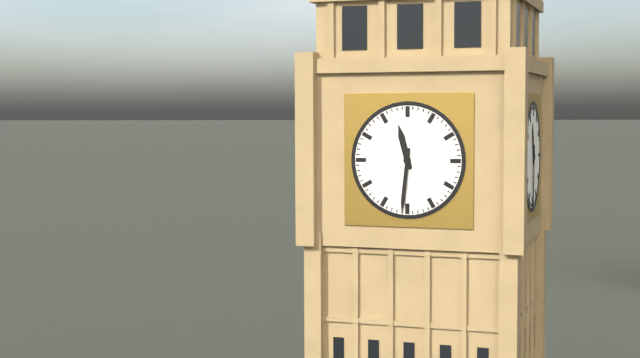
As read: 11:31
